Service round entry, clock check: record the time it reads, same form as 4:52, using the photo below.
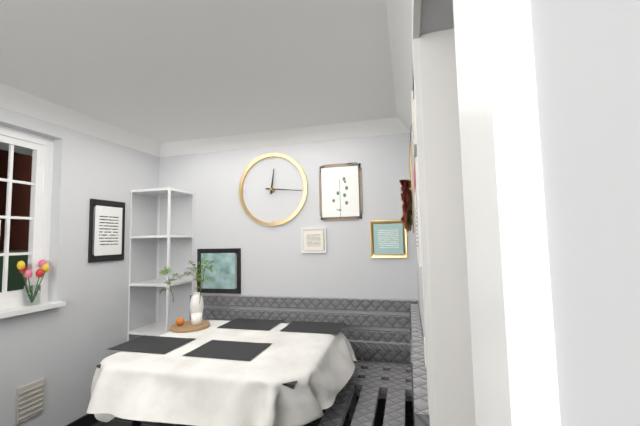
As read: 12:16
